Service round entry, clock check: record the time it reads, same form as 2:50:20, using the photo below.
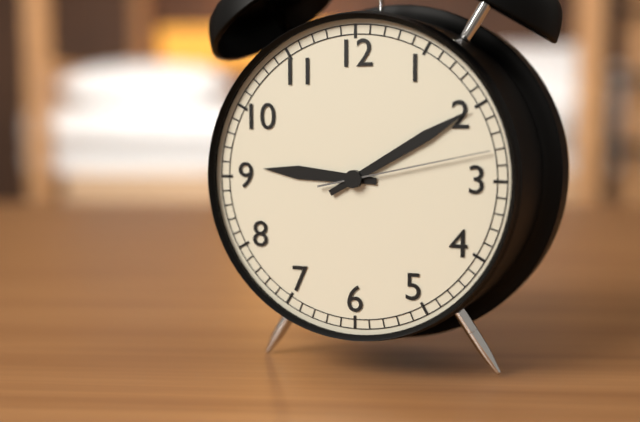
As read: 9:10:13
